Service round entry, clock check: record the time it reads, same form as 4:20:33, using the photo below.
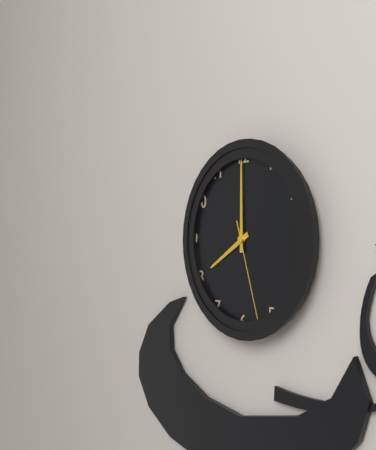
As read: 8:00:27
